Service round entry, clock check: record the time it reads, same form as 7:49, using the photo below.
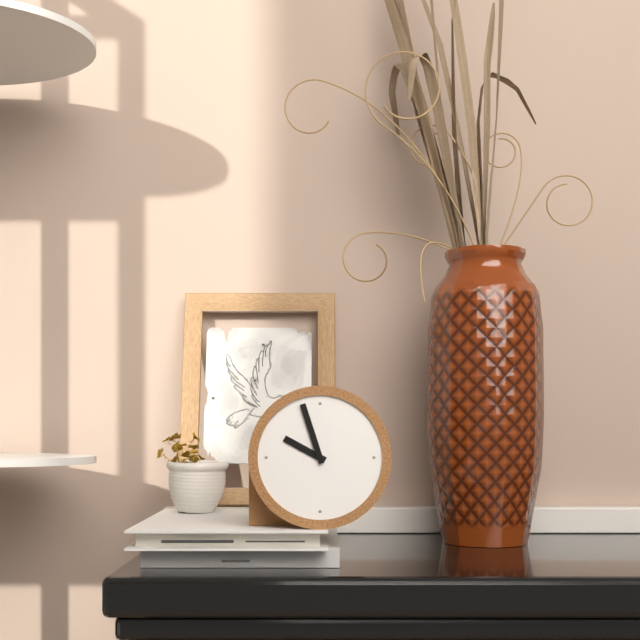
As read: 9:57
